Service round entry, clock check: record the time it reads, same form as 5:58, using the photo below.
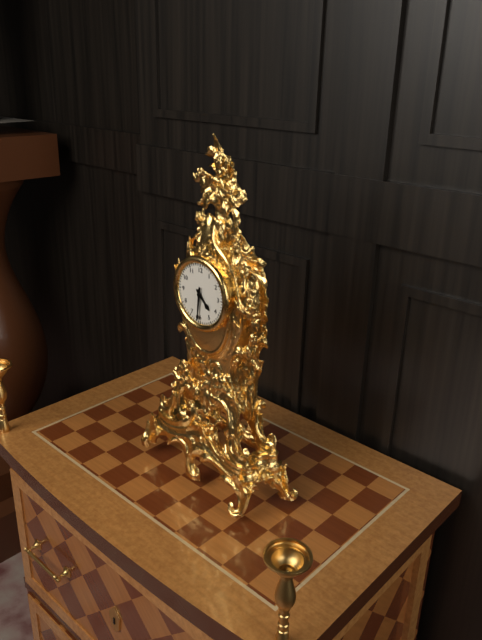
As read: 4:31
